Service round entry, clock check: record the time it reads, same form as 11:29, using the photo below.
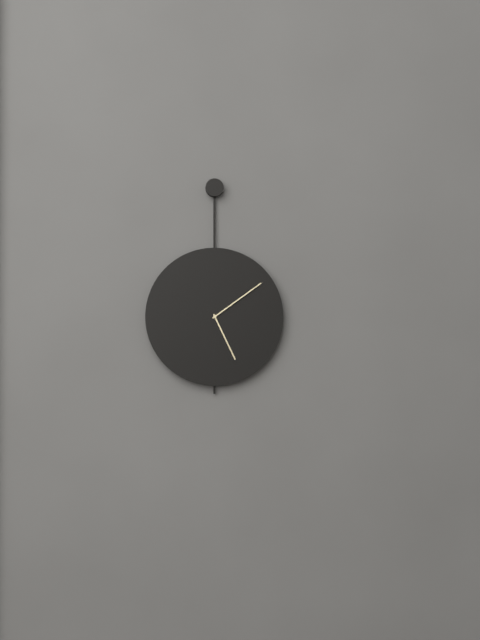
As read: 5:09
